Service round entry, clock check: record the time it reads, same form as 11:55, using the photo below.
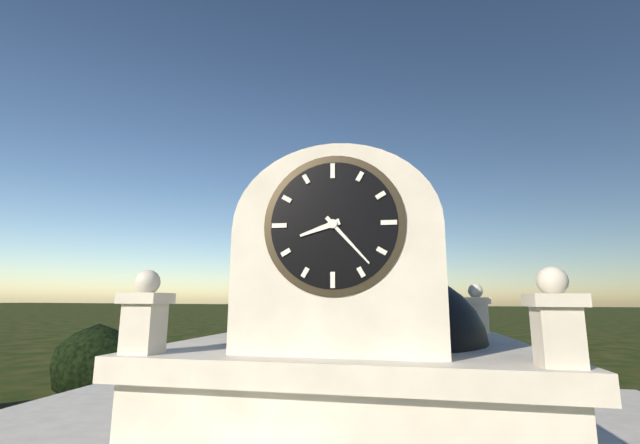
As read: 8:23
